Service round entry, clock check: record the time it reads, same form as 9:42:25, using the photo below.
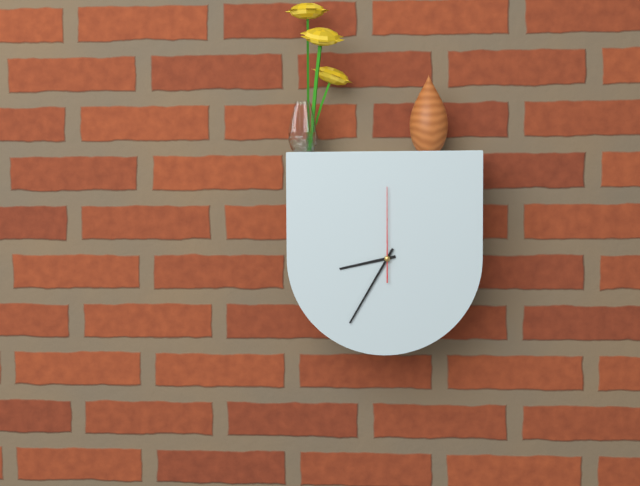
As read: 8:35:00
